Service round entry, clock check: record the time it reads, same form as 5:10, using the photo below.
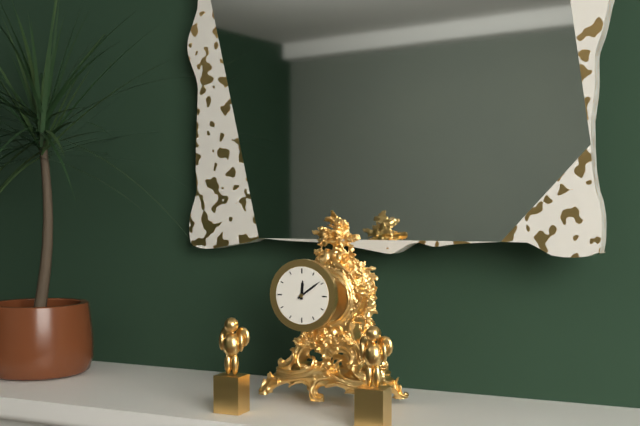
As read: 12:09
